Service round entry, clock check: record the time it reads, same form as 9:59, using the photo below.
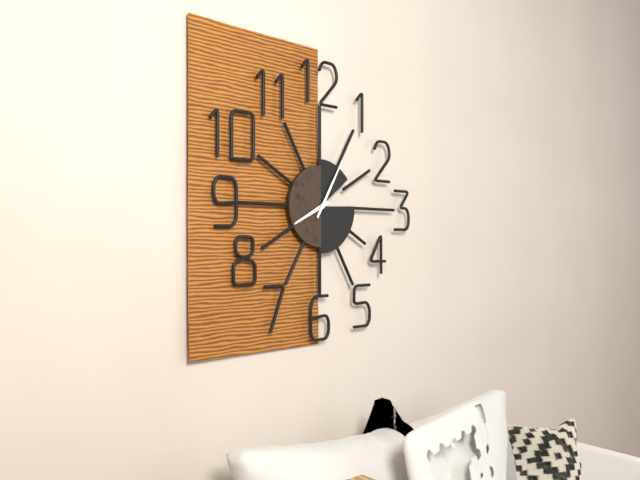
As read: 8:05
